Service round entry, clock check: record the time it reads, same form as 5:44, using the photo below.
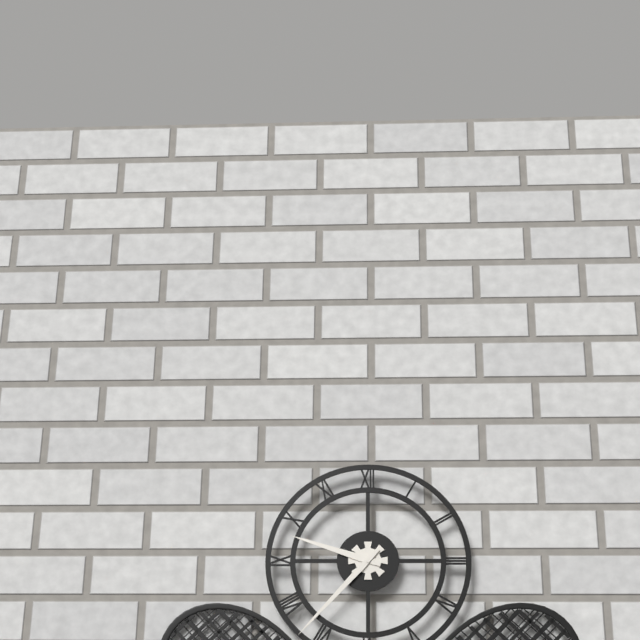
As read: 9:37
